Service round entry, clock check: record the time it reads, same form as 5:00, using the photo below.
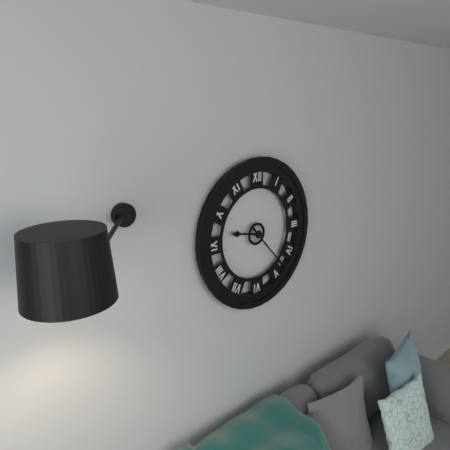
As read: 9:23
